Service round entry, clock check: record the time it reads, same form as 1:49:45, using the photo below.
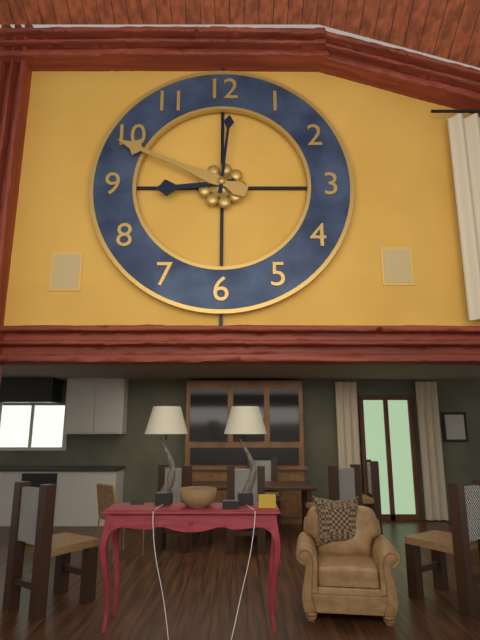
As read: 8:49:01
